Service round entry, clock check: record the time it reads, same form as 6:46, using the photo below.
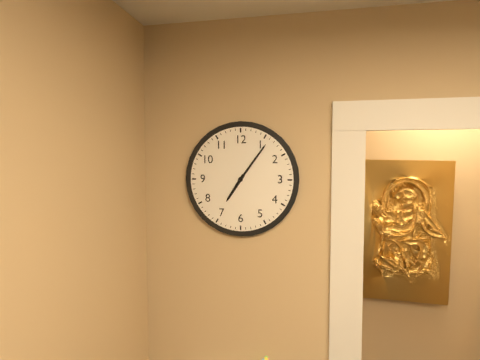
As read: 7:06
